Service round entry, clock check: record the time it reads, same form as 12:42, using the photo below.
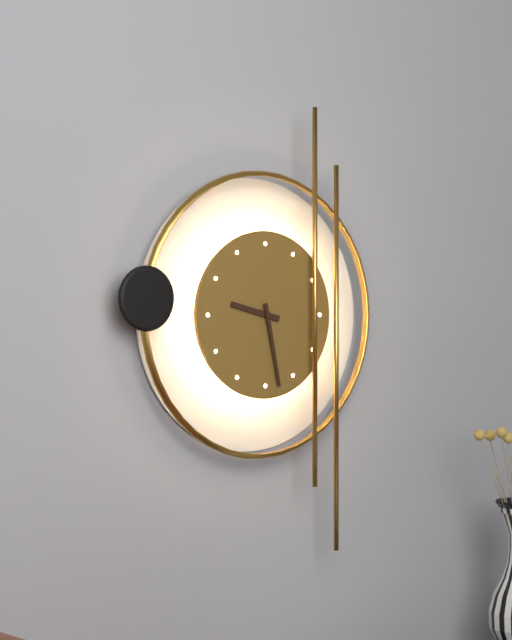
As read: 9:28
